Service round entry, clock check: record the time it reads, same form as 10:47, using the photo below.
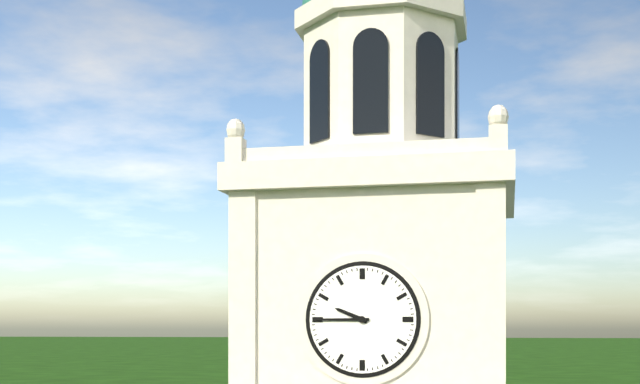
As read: 9:45
